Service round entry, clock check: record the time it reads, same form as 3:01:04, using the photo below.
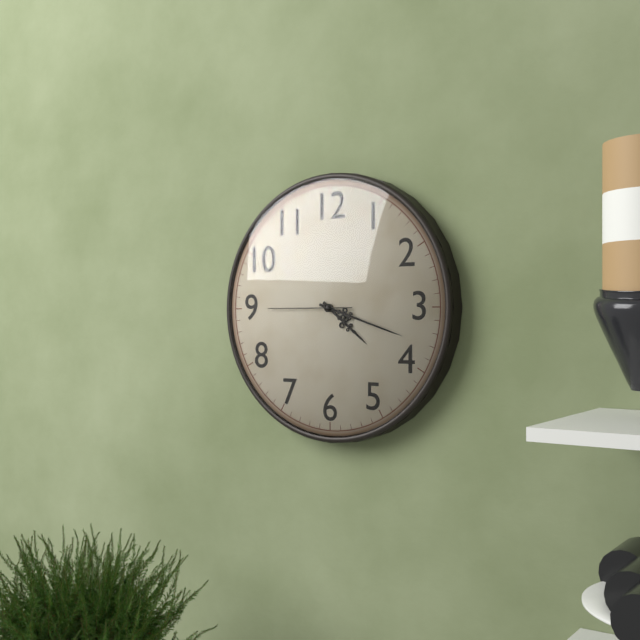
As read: 4:18:45
